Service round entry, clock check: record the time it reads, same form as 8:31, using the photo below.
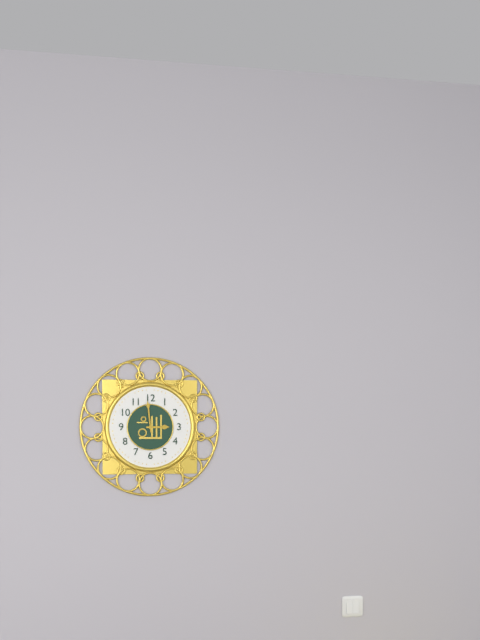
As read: 2:59
